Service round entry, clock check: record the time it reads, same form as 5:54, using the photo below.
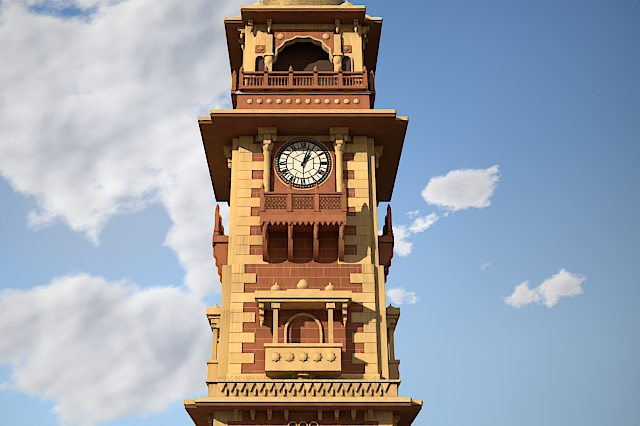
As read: 1:03
